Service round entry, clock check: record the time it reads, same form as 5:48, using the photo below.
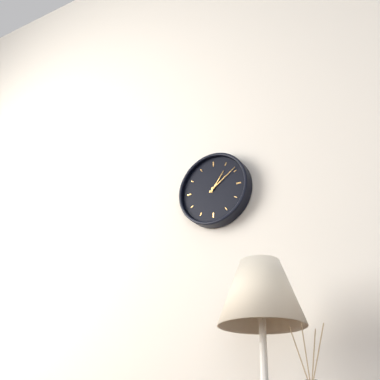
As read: 1:09
